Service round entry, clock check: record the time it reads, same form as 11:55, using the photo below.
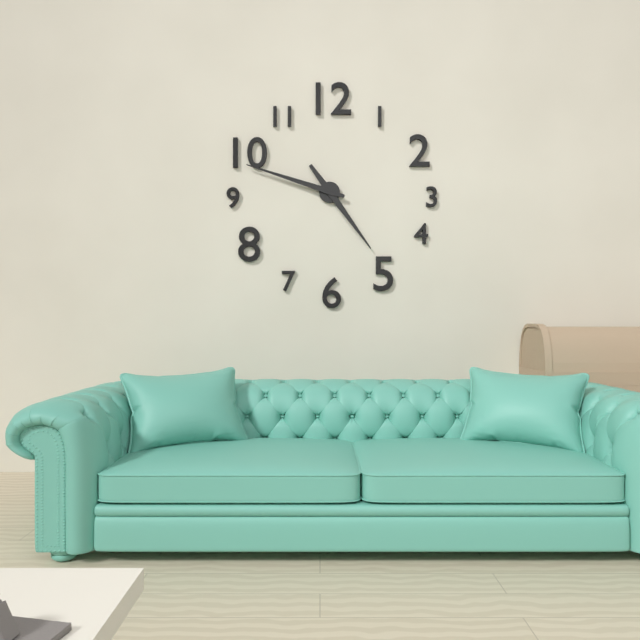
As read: 4:48
